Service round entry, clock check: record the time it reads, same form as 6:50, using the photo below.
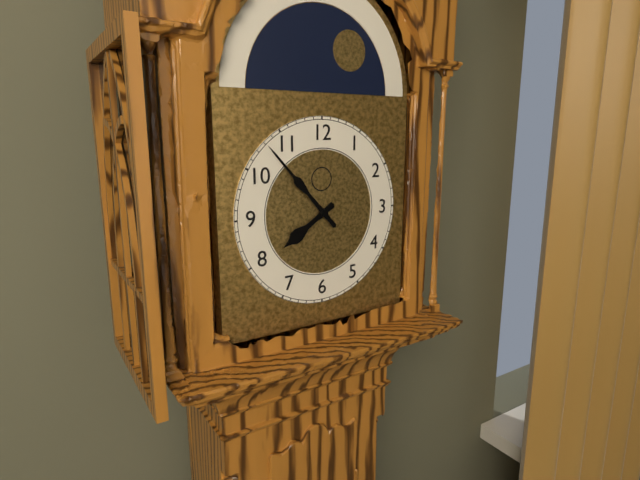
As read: 7:53
